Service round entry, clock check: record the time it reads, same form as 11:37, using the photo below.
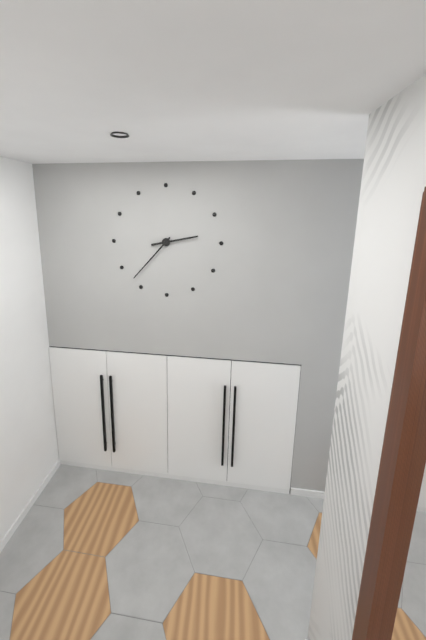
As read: 2:37
